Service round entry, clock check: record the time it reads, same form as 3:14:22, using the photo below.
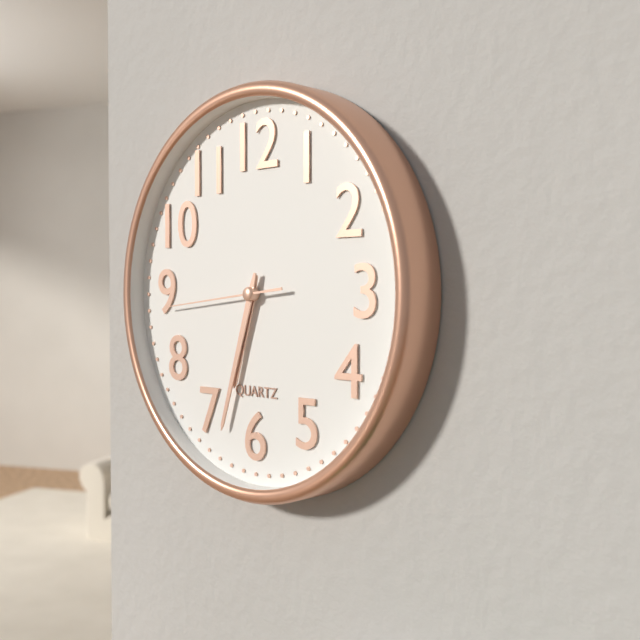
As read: 6:33:44
